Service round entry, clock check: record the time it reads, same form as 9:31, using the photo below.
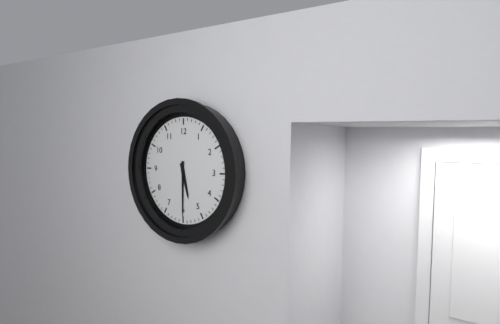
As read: 5:30
